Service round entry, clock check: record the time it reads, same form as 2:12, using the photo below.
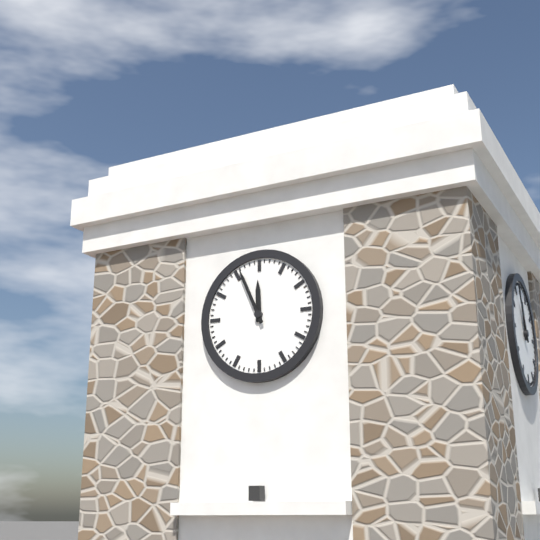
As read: 11:56
